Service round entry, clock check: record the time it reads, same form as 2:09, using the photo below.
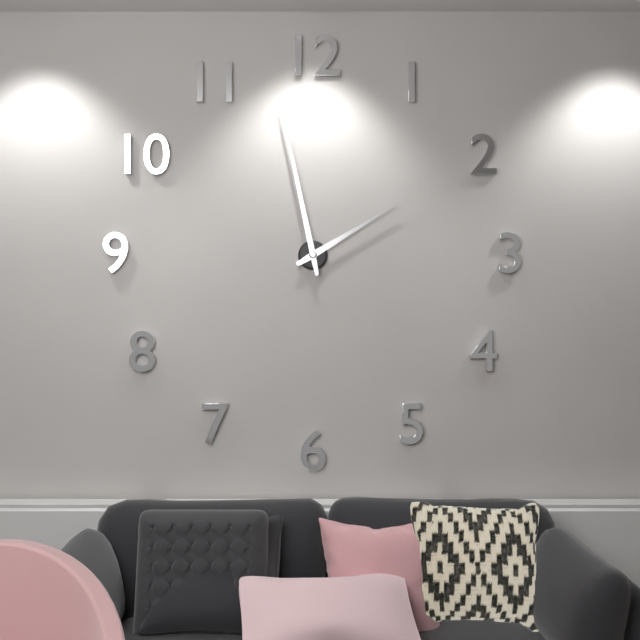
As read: 1:58
